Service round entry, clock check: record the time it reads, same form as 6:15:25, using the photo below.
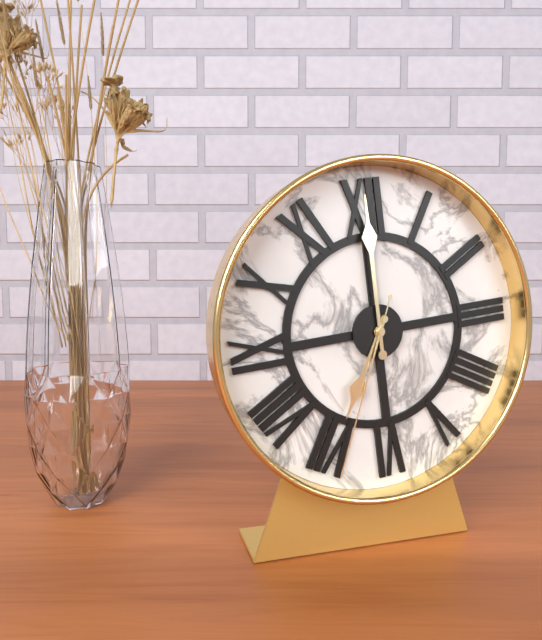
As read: 7:00:34
